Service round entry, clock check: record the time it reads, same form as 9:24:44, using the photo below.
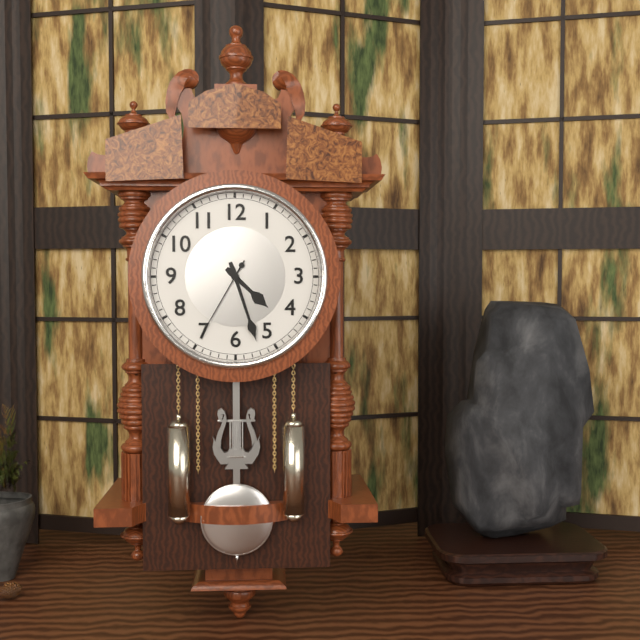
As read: 4:27:35
